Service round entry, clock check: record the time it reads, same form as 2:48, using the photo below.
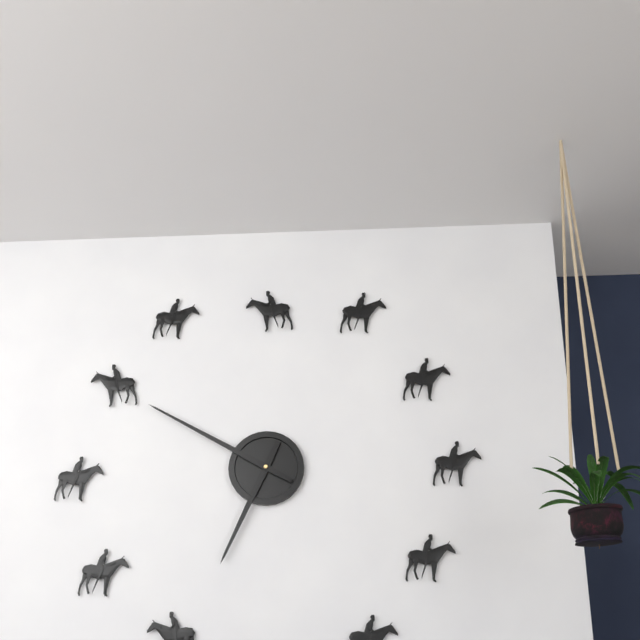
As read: 6:50
